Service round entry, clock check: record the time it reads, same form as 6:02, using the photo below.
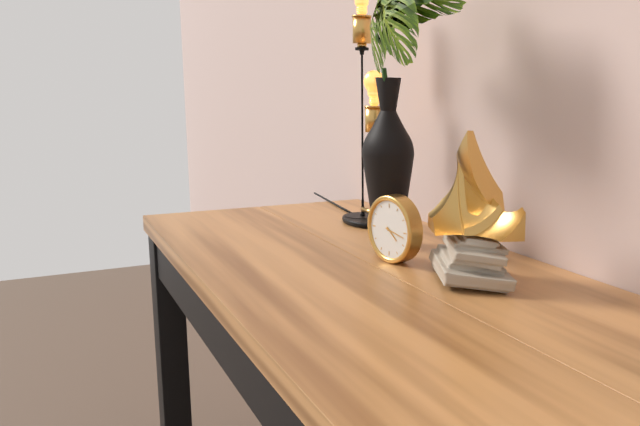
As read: 4:17
